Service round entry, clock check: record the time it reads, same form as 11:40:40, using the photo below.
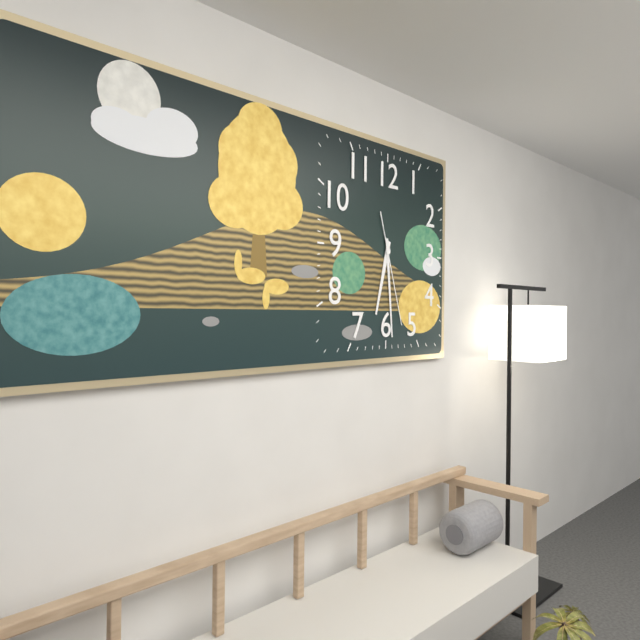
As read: 6:29:27
